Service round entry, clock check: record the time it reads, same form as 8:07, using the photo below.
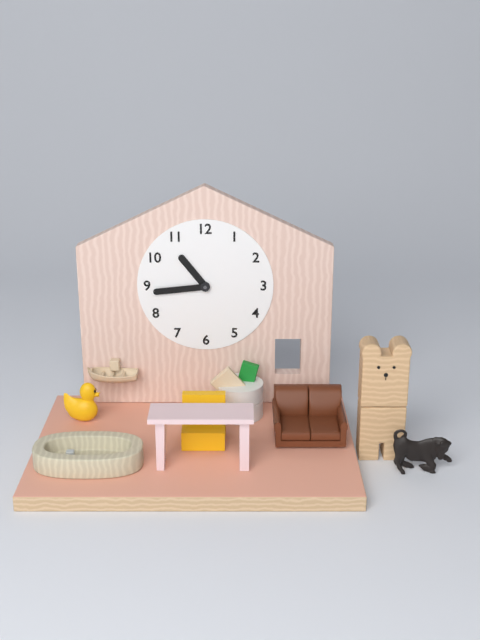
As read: 10:44
